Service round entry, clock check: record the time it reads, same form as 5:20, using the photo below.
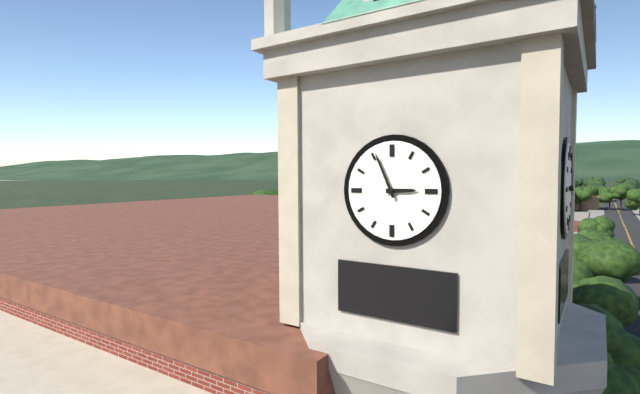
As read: 2:56
